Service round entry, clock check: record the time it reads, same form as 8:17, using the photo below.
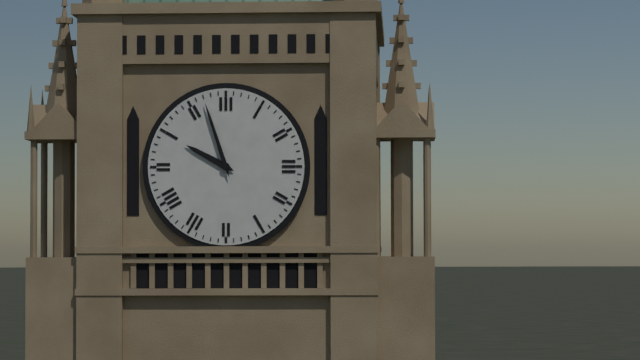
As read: 9:57
